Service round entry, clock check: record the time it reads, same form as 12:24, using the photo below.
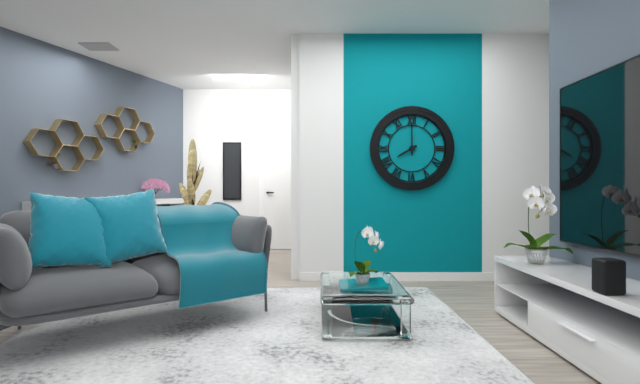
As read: 8:00
